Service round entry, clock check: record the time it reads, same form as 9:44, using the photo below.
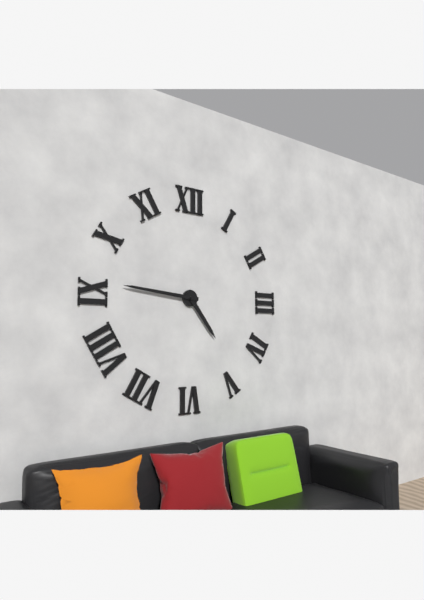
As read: 4:46
